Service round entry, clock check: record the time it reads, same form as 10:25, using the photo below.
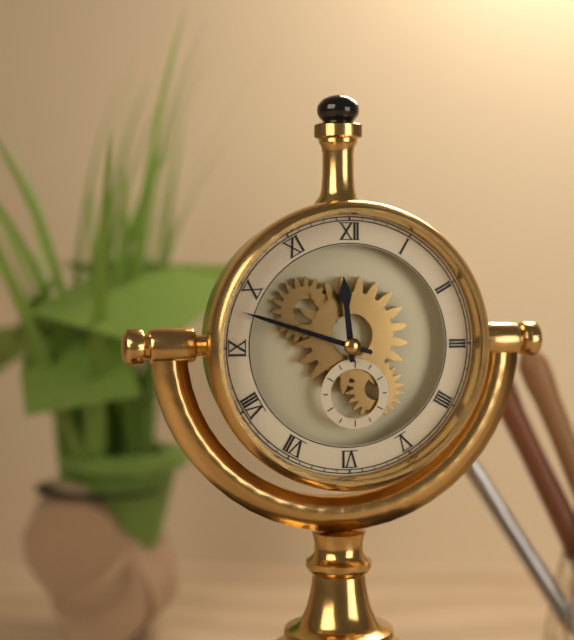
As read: 11:48
